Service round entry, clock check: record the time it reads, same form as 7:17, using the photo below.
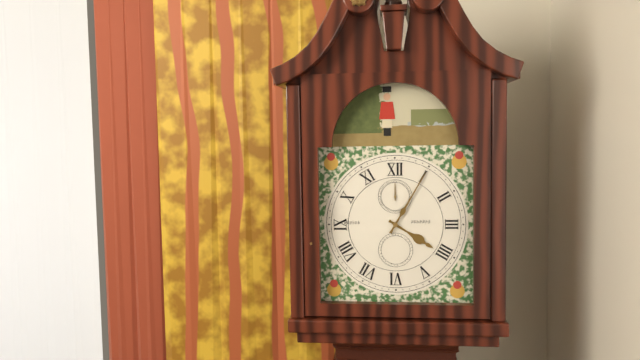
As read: 4:05
